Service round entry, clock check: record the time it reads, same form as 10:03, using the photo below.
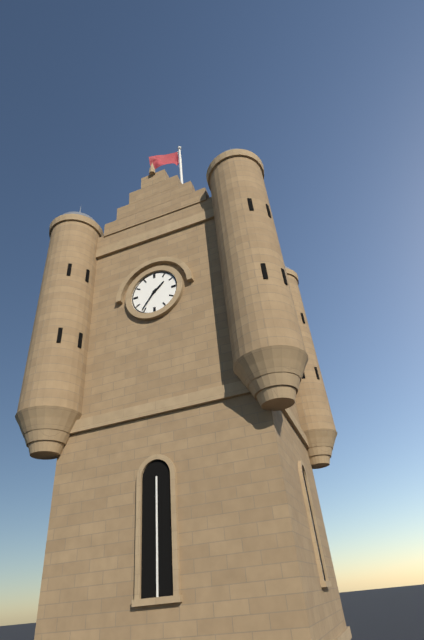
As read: 1:36
